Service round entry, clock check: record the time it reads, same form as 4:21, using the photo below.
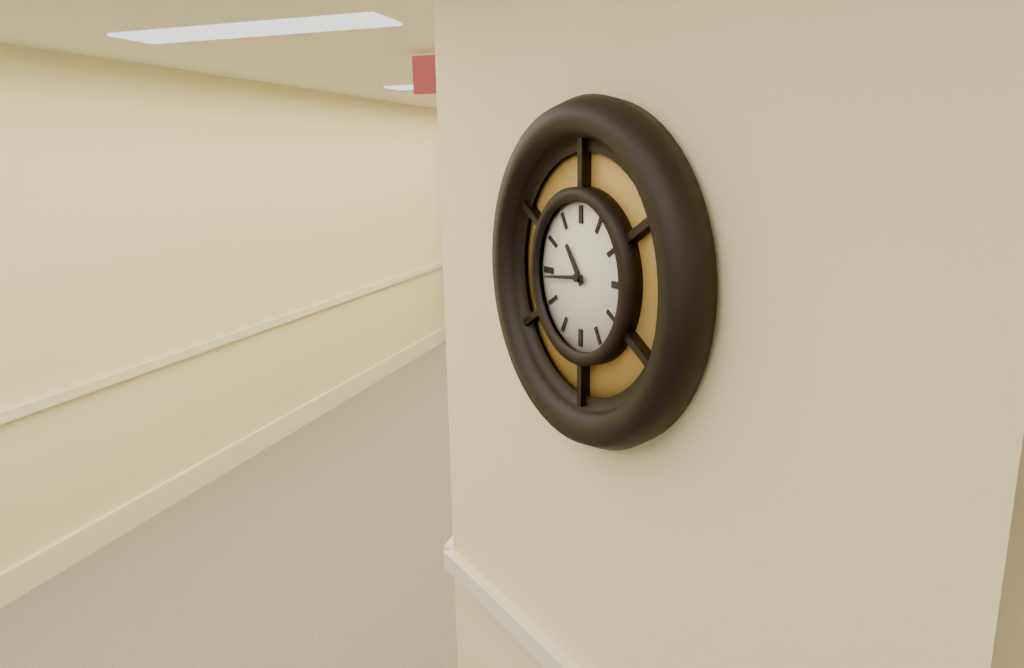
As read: 10:44
